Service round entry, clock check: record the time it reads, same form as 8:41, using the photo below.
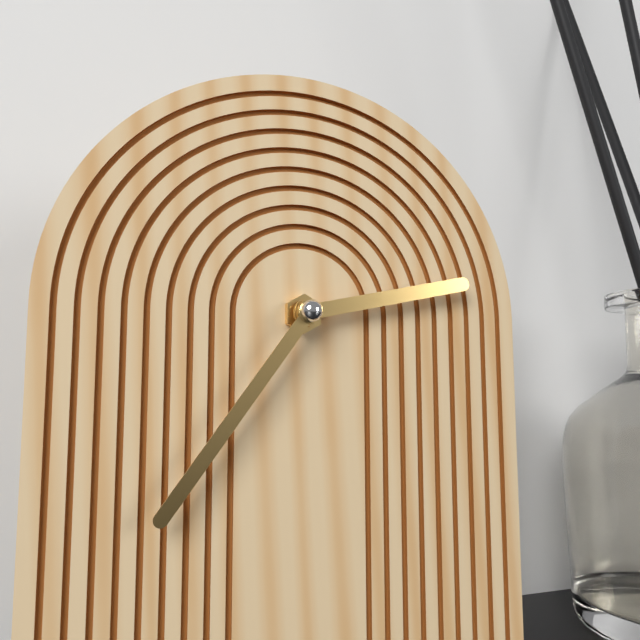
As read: 2:36
